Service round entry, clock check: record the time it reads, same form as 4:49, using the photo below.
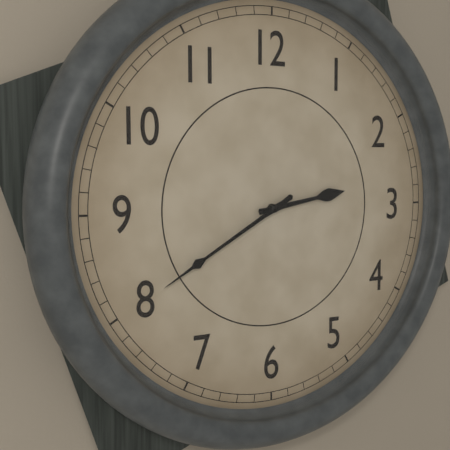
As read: 2:40
